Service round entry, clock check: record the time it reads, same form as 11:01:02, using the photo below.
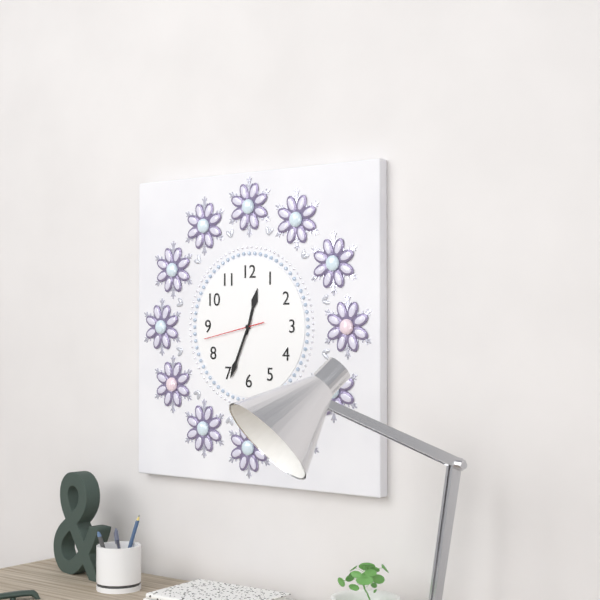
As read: 12:34:43
